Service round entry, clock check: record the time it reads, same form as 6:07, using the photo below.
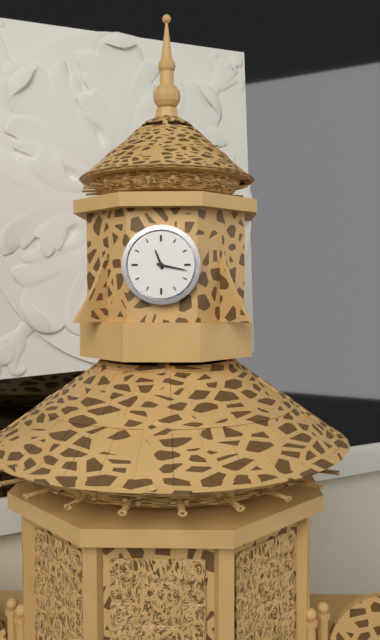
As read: 11:17
